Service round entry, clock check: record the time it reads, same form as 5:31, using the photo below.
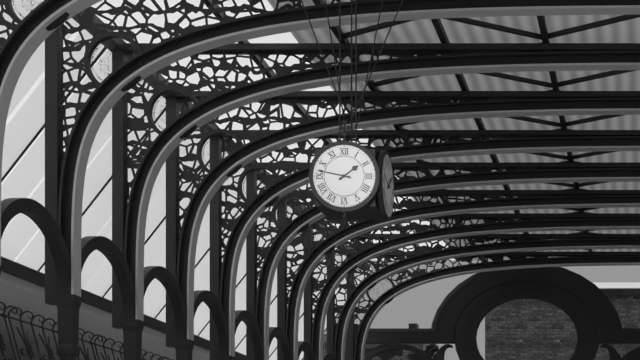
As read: 1:47
